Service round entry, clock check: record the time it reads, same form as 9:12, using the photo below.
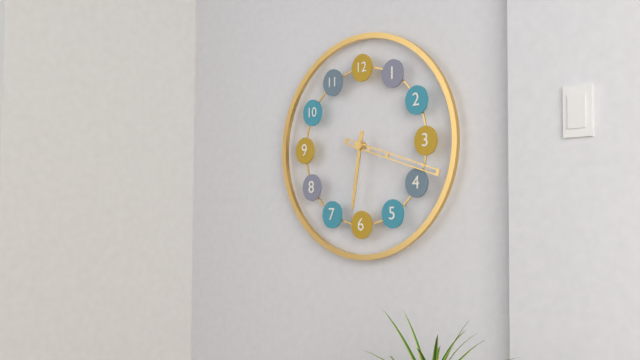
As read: 6:18
